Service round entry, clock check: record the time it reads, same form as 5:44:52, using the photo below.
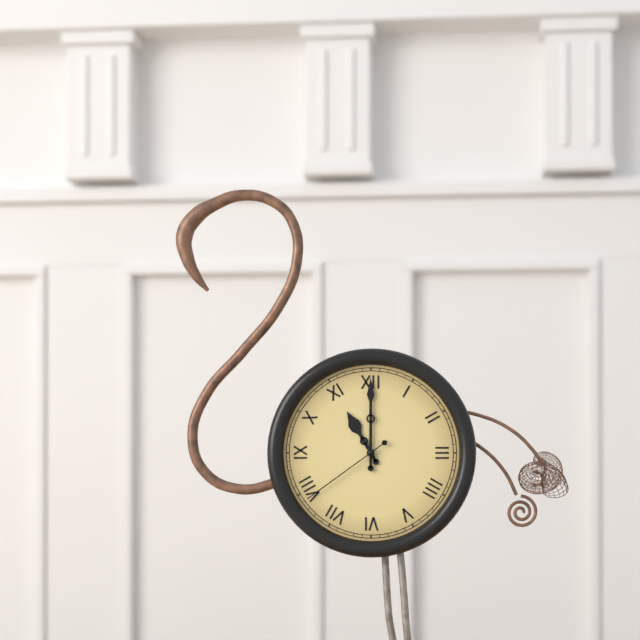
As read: 11:00:39
